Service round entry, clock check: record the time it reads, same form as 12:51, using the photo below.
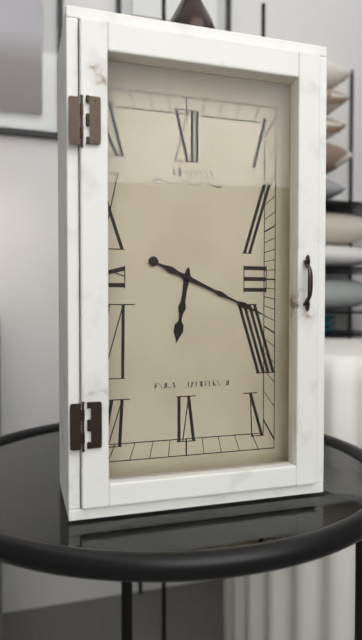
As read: 6:19
